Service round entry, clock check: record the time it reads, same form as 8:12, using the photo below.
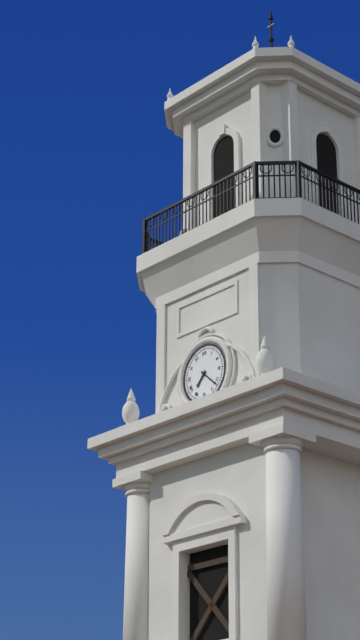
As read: 7:22
